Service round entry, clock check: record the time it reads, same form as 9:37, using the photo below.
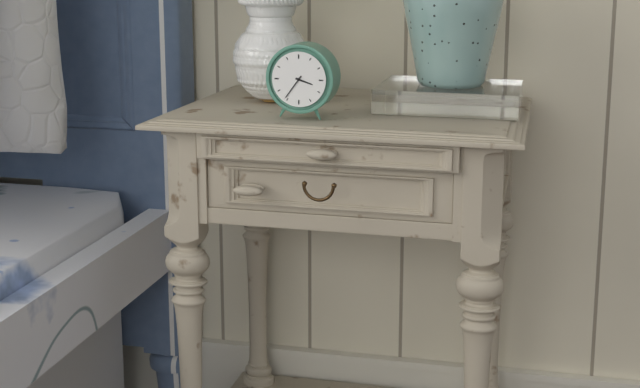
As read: 3:36
